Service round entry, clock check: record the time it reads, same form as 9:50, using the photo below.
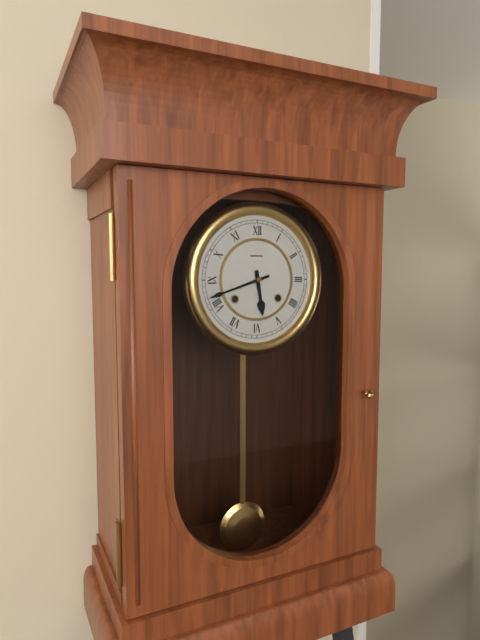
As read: 5:42
